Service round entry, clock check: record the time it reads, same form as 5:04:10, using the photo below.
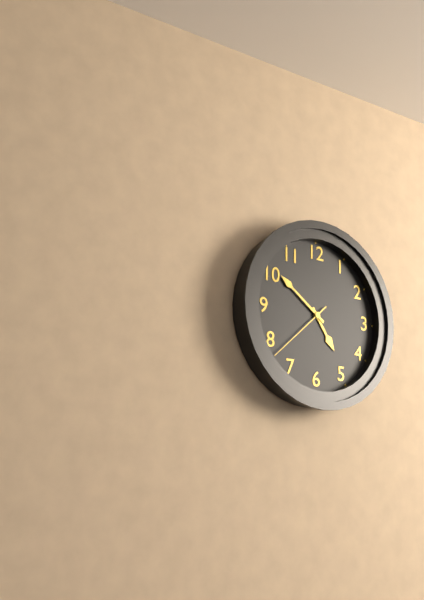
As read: 4:51:38
